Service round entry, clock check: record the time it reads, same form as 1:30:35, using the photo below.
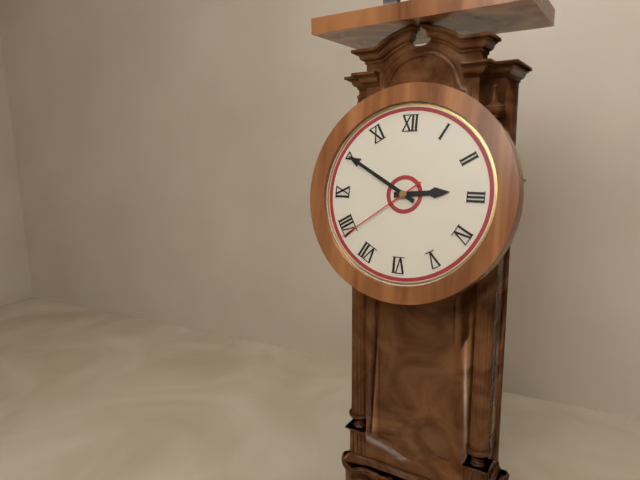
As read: 2:50:39
